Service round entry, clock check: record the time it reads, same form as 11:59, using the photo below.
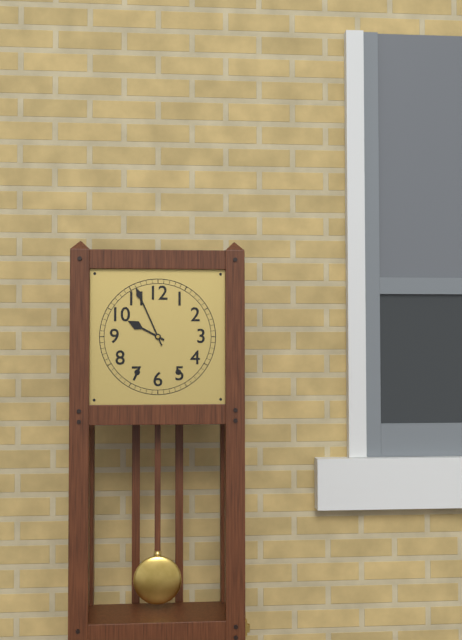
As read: 9:56
